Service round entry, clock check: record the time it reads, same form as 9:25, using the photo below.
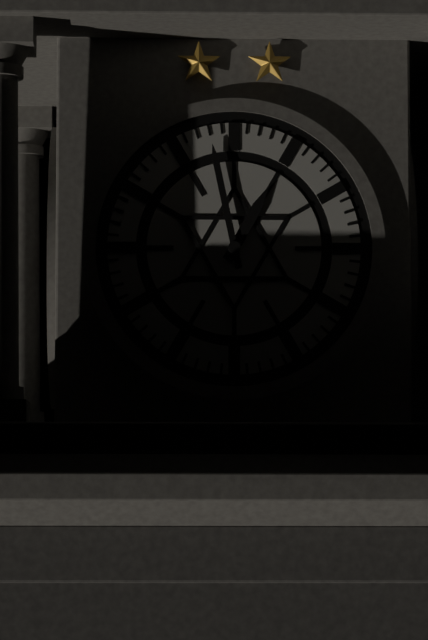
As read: 12:58
